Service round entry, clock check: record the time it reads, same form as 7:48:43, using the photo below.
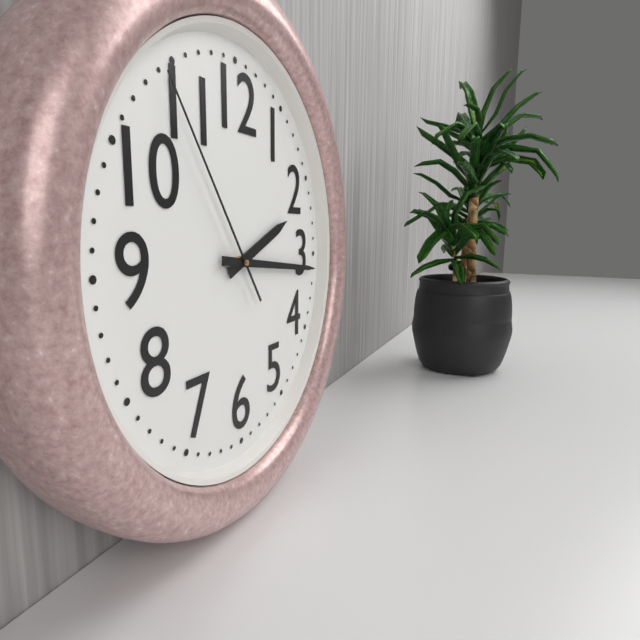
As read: 2:16:54
